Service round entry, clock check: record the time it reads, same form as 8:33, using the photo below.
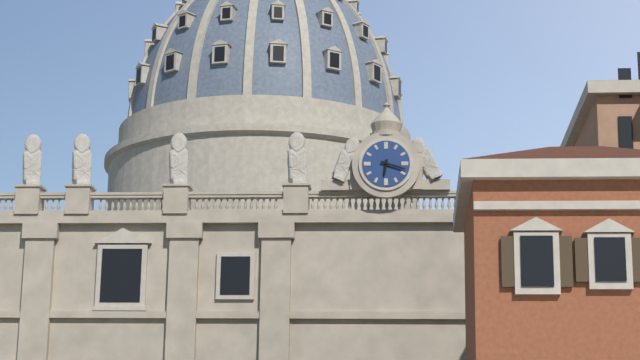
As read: 6:18
